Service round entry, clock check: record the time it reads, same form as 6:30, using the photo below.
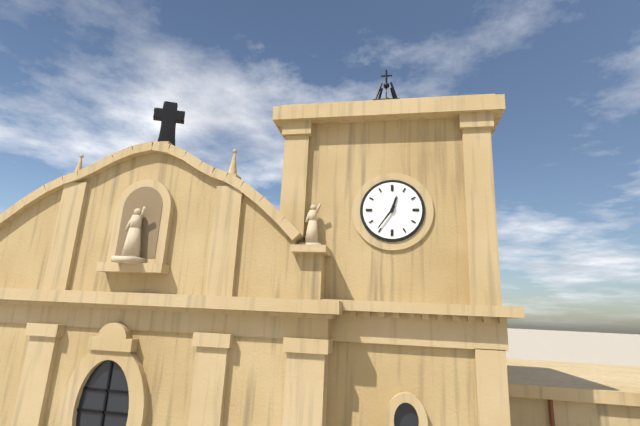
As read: 12:36
